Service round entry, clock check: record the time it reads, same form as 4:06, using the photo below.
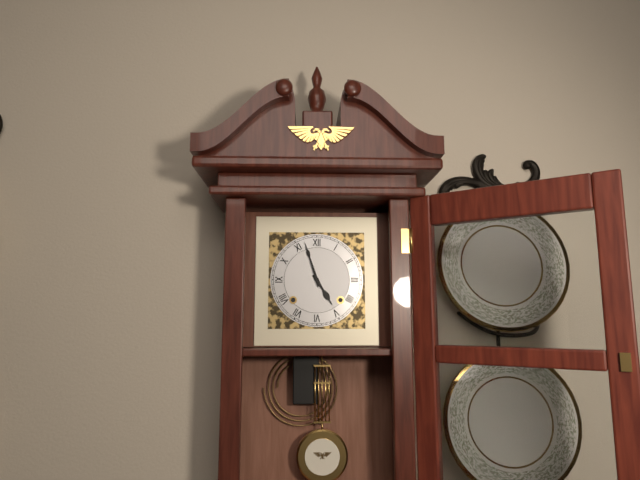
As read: 4:57
